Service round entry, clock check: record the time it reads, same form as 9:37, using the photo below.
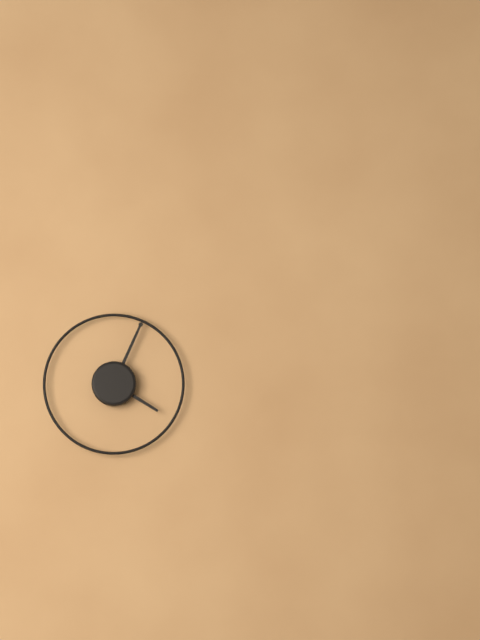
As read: 4:04
